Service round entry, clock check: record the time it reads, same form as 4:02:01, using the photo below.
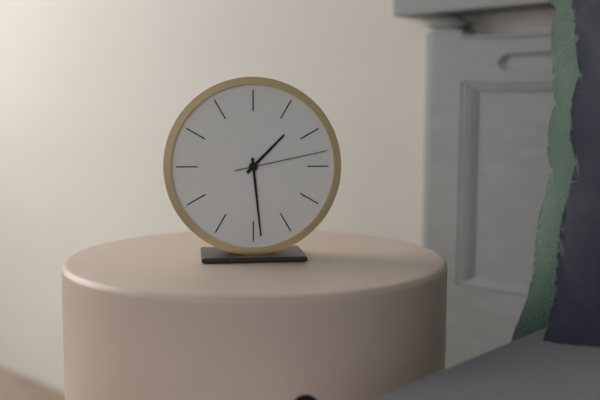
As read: 1:29:13
